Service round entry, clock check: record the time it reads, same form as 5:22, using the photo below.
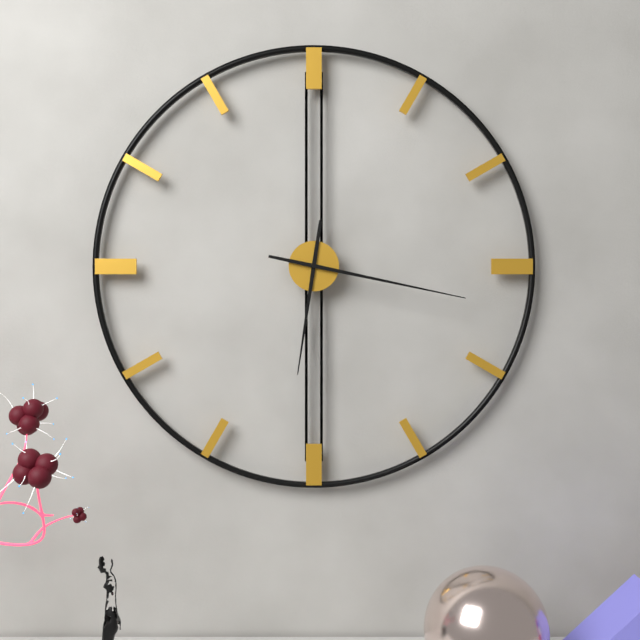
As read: 6:17
